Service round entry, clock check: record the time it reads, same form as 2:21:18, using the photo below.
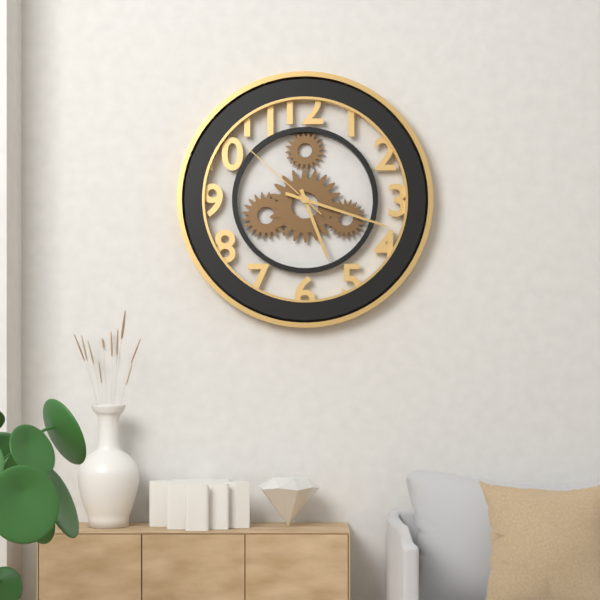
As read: 5:18:52
